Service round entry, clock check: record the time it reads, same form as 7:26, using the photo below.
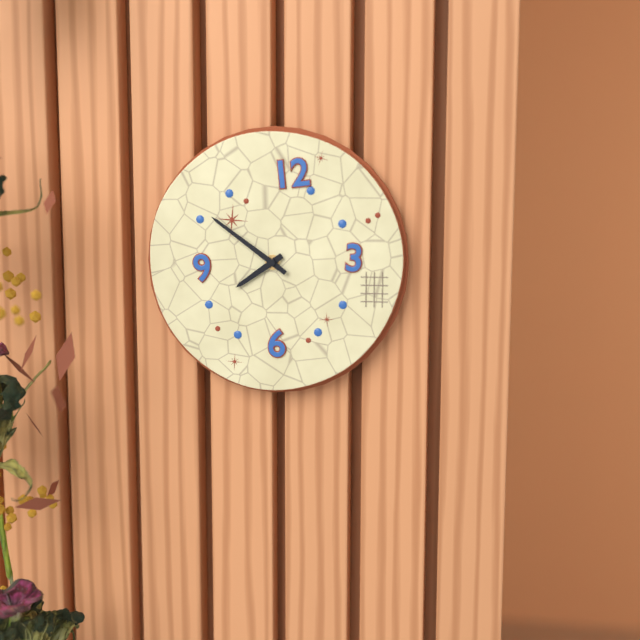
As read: 7:51
